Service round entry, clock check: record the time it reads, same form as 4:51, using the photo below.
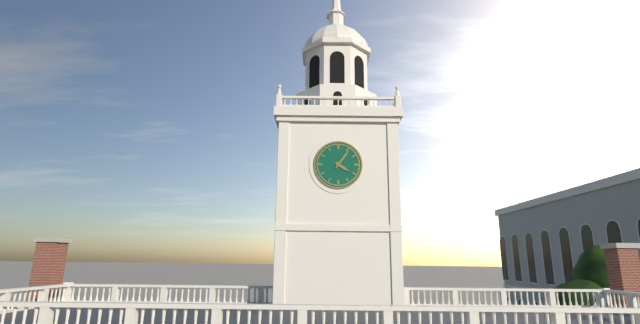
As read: 4:06
